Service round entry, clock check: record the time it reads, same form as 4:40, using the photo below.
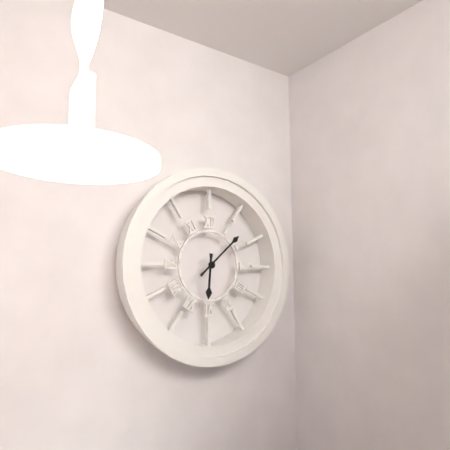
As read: 6:08
